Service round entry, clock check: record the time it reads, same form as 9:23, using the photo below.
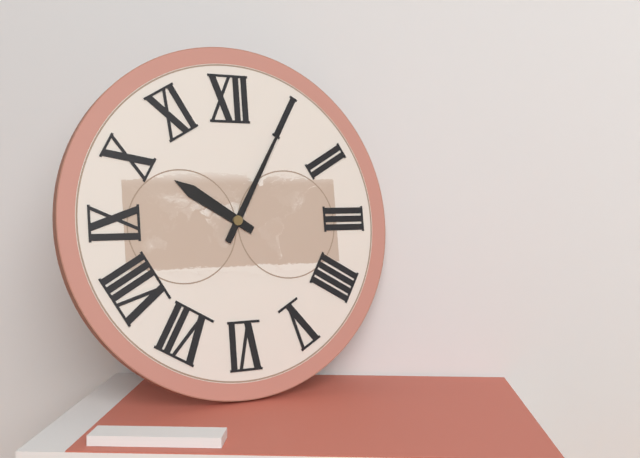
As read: 10:05
